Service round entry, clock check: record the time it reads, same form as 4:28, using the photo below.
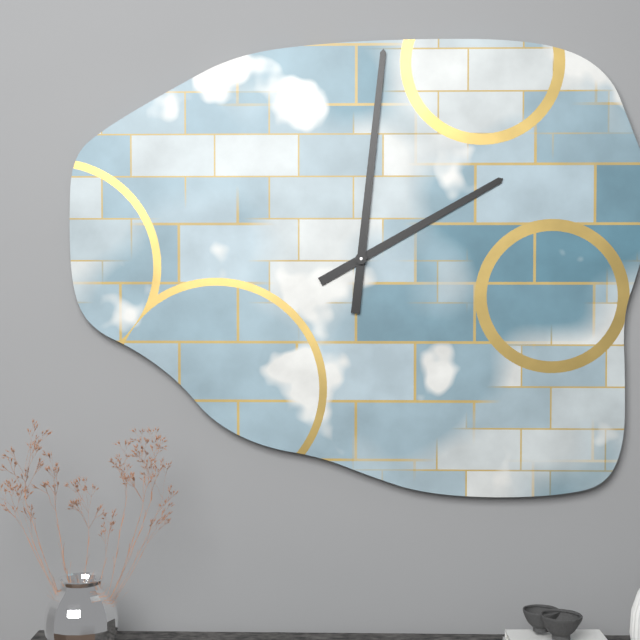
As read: 2:01
